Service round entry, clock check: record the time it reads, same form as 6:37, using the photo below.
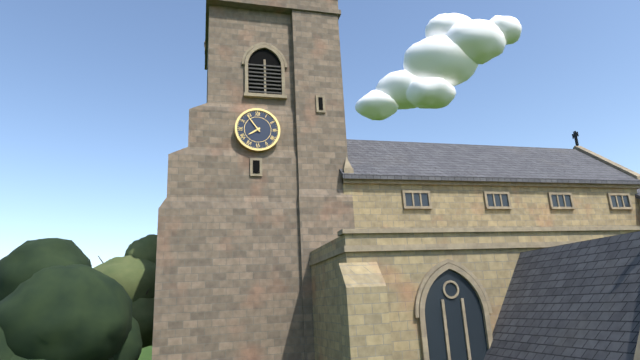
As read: 7:54
